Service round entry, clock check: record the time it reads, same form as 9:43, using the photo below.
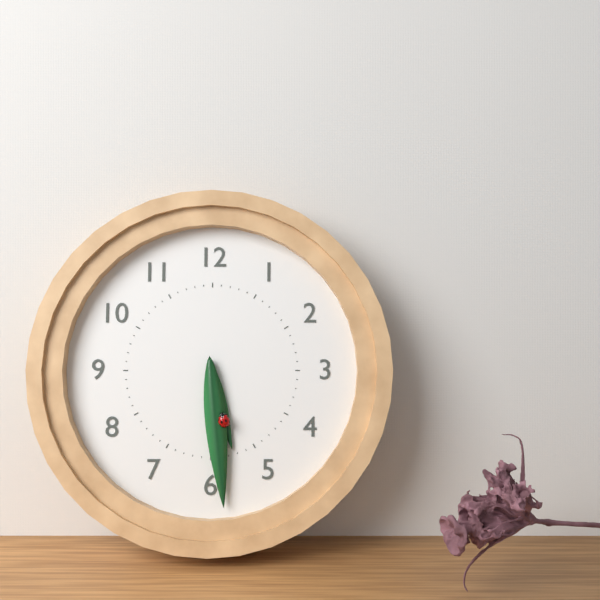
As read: 5:29
